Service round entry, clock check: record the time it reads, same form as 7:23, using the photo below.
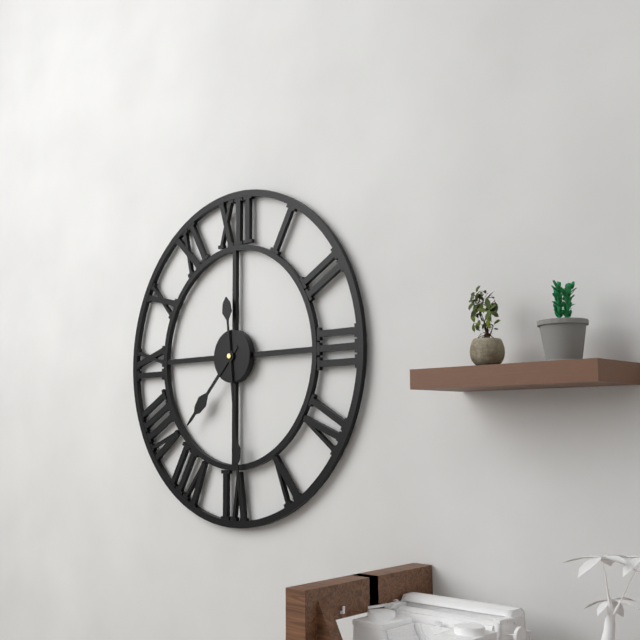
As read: 7:29
